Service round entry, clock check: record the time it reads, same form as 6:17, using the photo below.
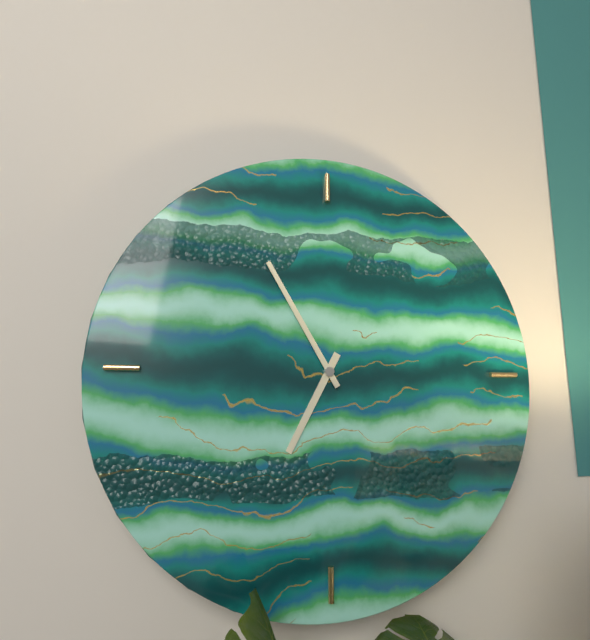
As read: 6:55
